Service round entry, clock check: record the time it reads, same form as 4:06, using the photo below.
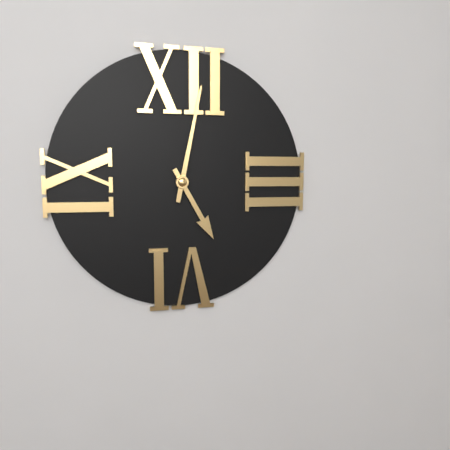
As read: 5:02
